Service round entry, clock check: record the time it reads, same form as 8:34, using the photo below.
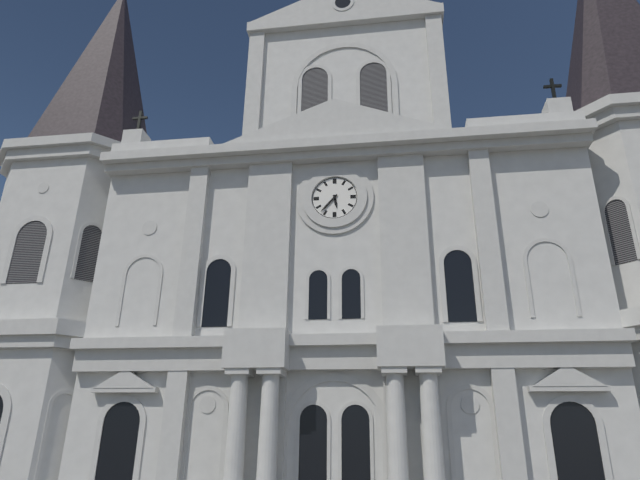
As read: 5:37
